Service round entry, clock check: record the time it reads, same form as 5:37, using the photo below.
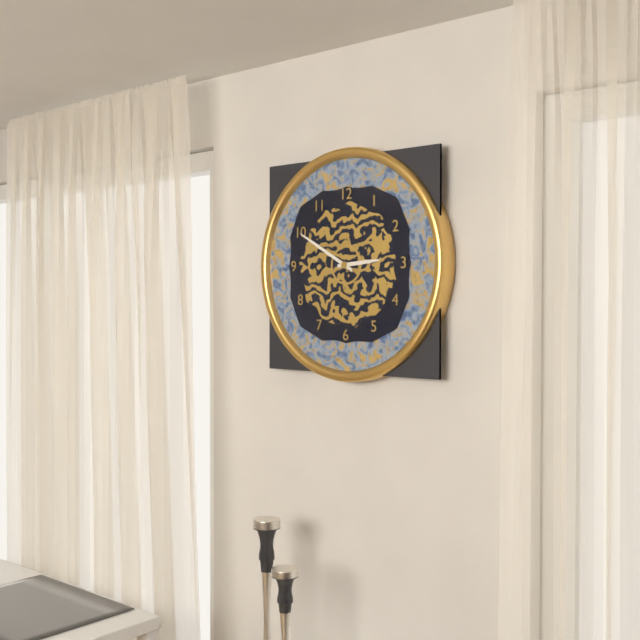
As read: 2:50
